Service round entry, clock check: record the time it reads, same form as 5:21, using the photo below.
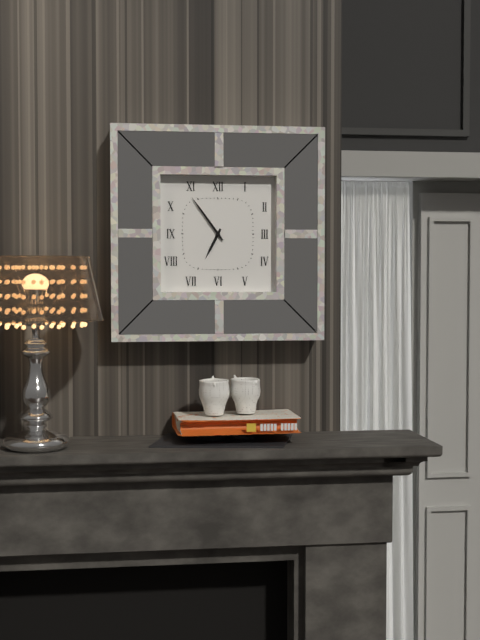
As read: 6:54
